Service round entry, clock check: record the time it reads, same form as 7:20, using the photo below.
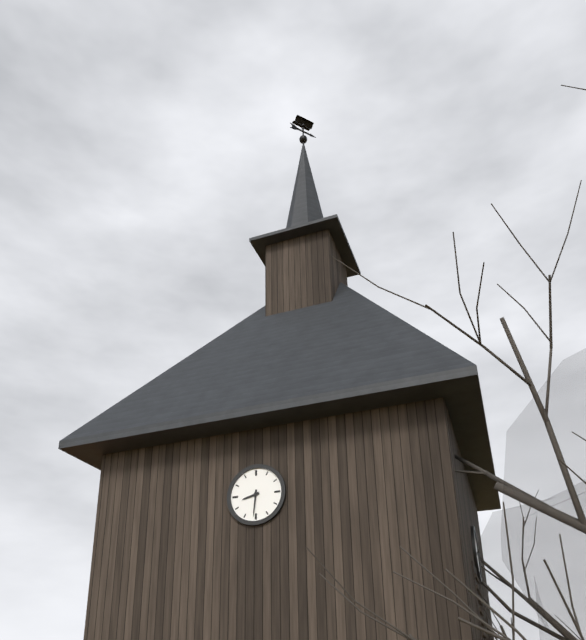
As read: 8:31
